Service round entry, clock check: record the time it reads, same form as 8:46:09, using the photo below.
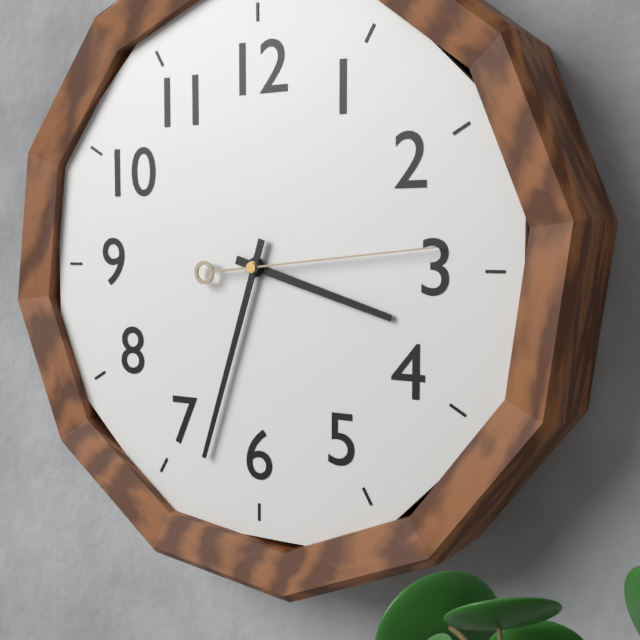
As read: 3:33:14
